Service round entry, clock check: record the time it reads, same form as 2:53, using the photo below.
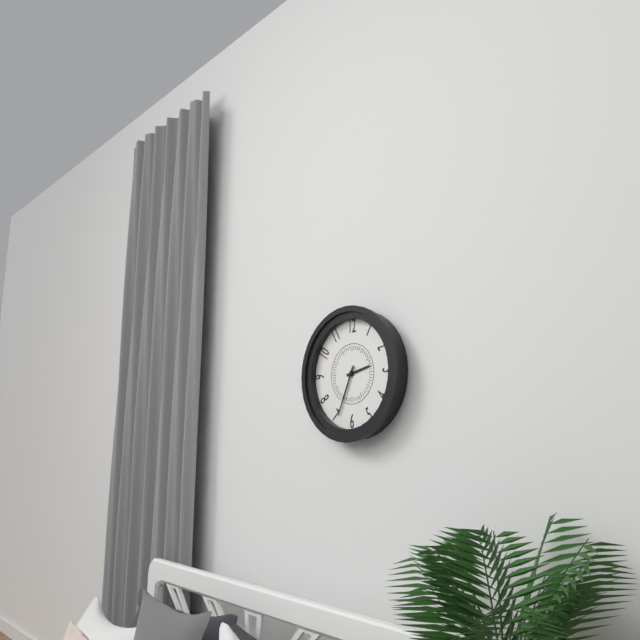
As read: 2:34
